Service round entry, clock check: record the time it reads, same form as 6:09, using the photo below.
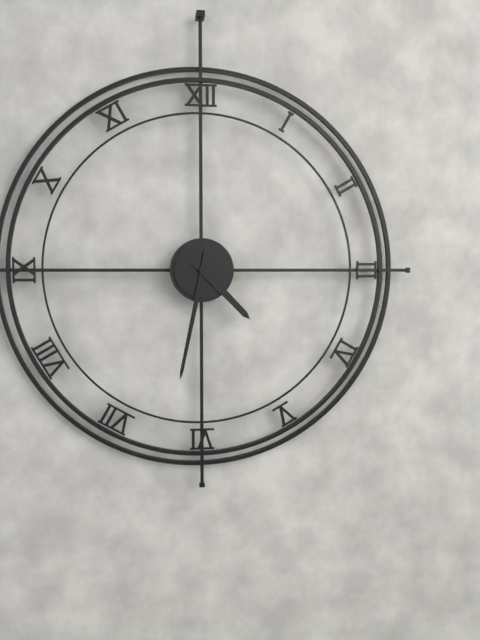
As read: 4:32
